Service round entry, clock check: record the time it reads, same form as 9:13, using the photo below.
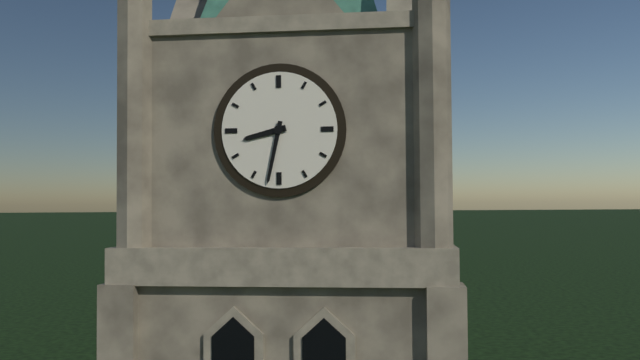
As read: 8:32
